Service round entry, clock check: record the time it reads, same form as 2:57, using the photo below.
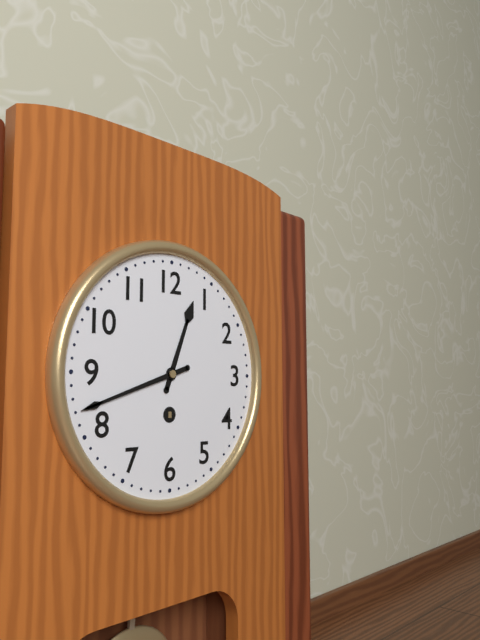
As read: 12:42
